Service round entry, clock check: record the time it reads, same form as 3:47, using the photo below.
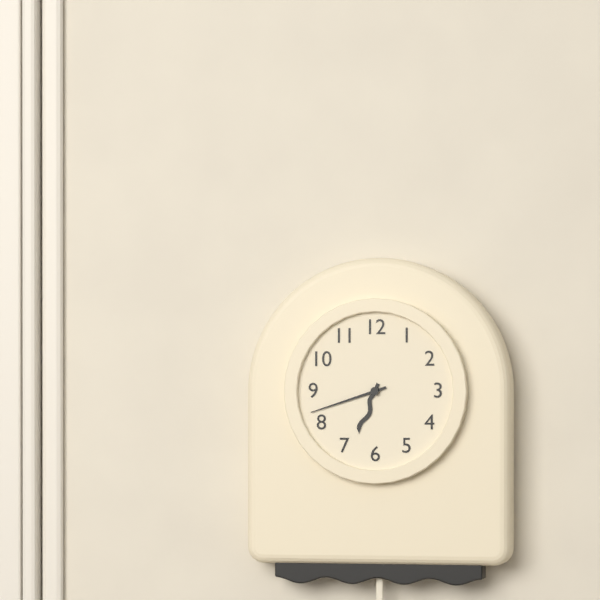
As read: 6:42
